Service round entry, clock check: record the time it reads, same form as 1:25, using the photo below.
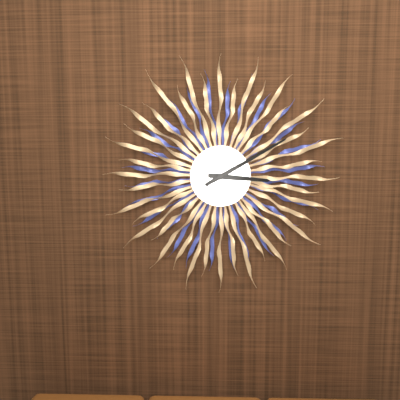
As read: 3:10
